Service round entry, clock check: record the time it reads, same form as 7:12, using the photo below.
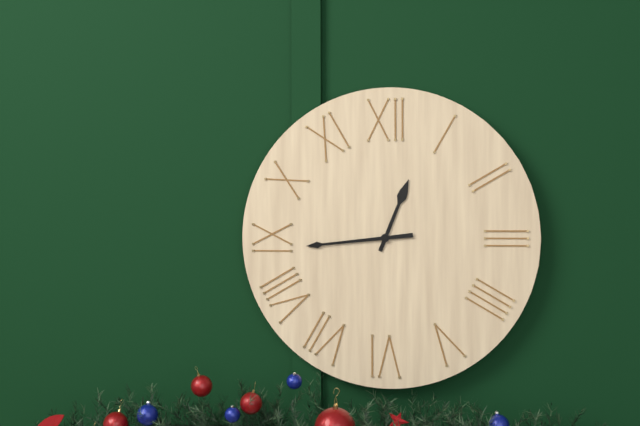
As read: 12:44
